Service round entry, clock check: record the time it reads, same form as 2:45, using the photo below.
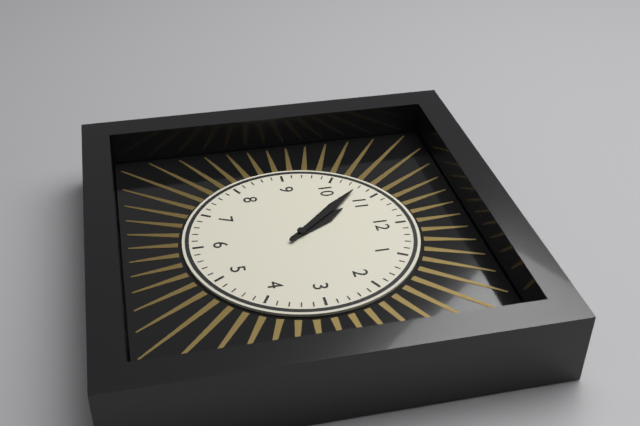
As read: 10:53
